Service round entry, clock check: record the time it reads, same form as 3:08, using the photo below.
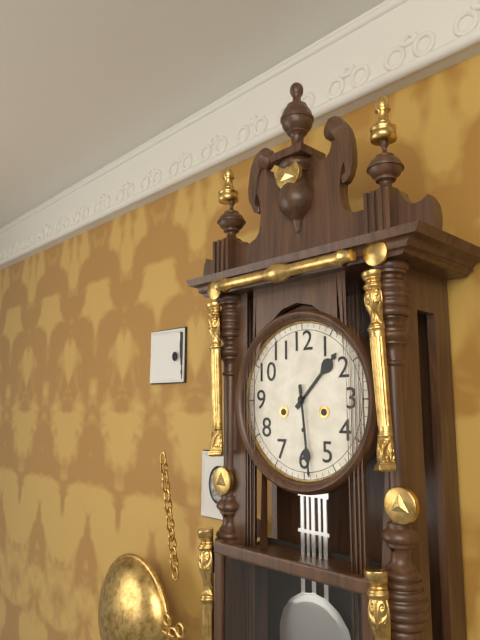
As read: 1:29
